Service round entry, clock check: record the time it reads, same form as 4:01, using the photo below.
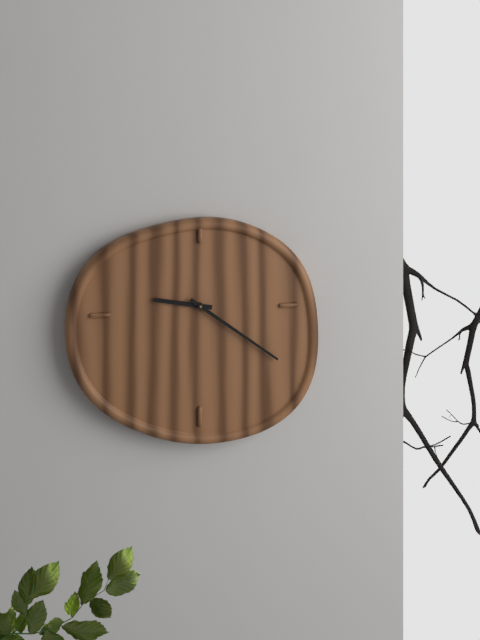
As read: 9:21
